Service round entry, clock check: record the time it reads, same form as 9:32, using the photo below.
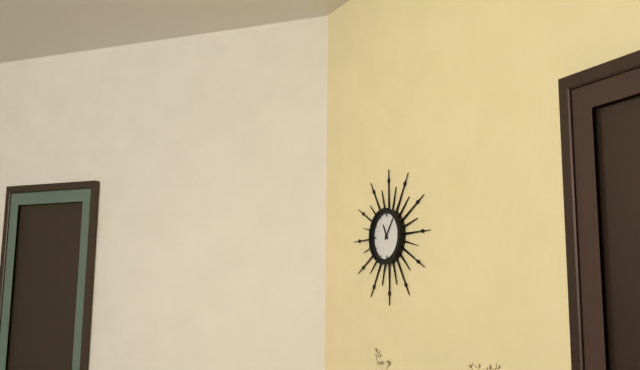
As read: 11:06
